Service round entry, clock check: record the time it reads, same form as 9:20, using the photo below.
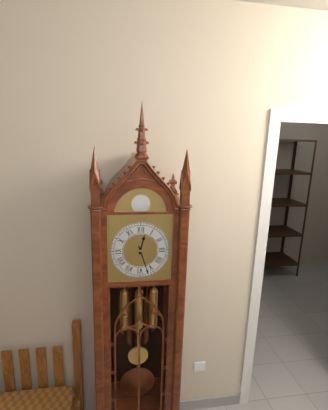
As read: 12:27
